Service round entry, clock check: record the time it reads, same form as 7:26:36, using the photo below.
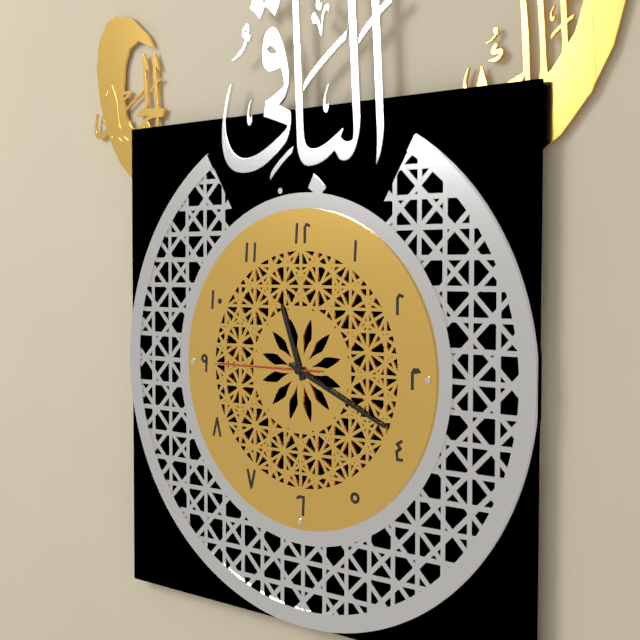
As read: 11:19:45
